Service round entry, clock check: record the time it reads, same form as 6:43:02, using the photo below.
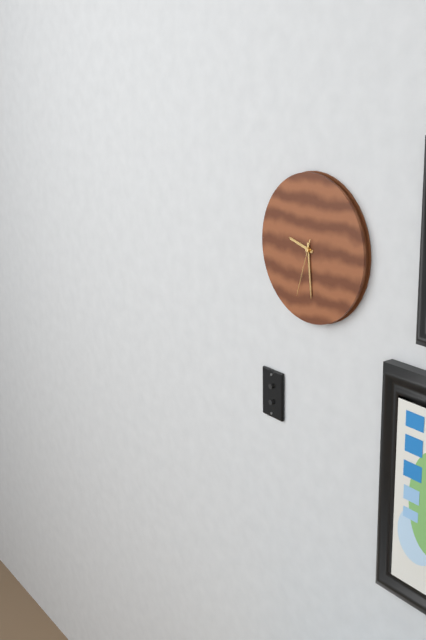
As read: 9:29:33
